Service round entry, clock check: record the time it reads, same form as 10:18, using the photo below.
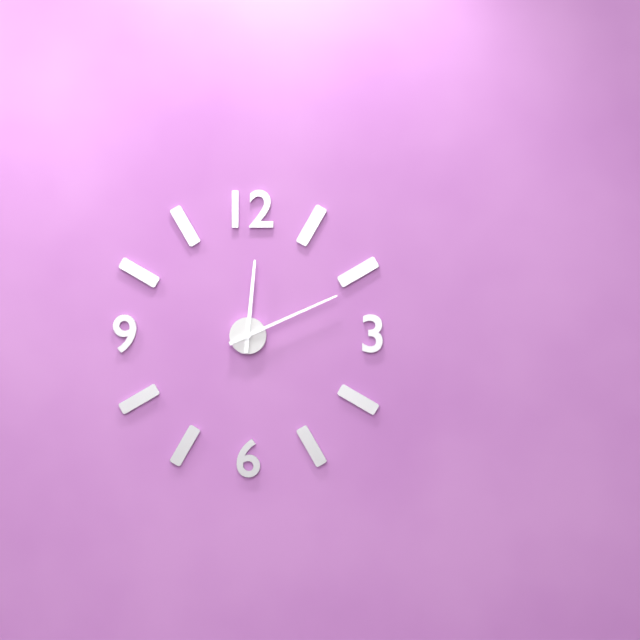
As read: 12:11
